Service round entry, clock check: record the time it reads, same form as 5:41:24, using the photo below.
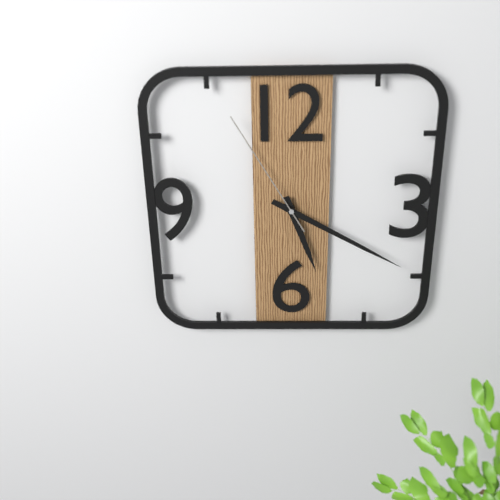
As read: 5:20:55
